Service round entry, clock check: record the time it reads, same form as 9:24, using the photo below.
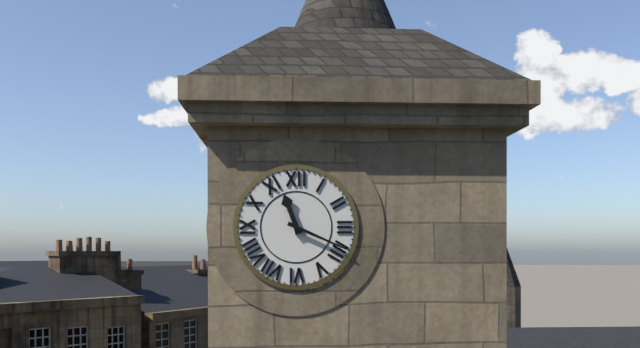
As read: 11:19
